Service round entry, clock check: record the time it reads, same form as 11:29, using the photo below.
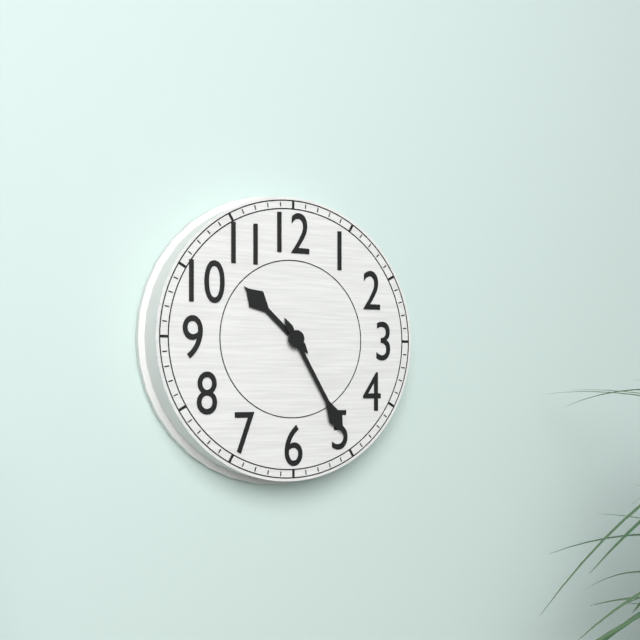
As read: 10:25
